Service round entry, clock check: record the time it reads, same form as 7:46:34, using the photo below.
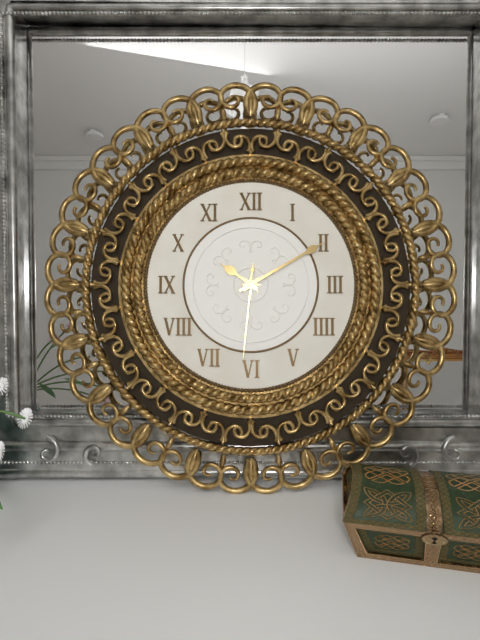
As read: 10:10:31
